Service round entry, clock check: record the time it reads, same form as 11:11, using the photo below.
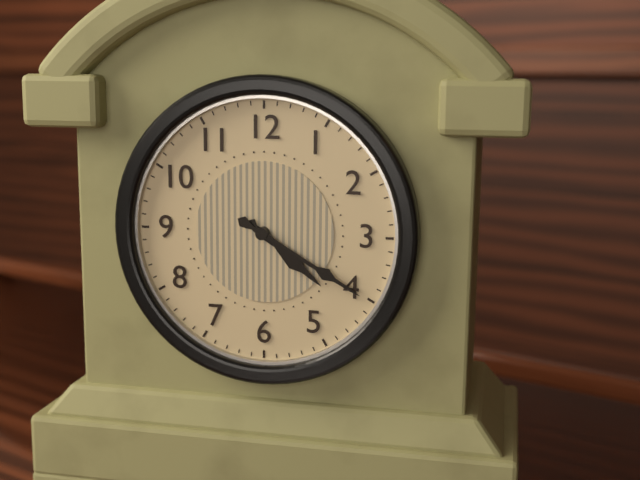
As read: 4:20
